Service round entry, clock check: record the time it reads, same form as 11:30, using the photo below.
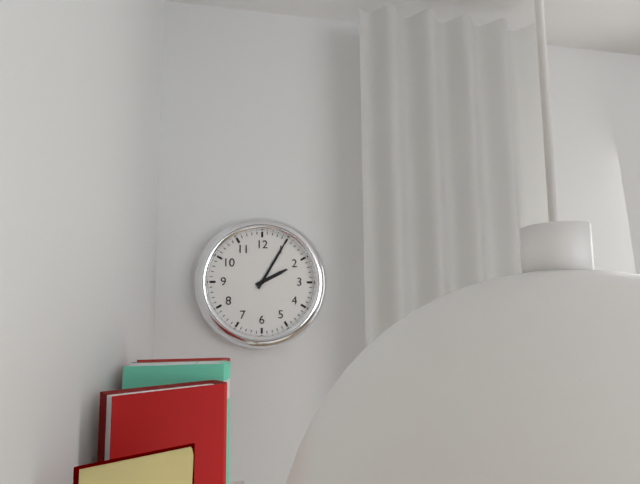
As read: 2:05
